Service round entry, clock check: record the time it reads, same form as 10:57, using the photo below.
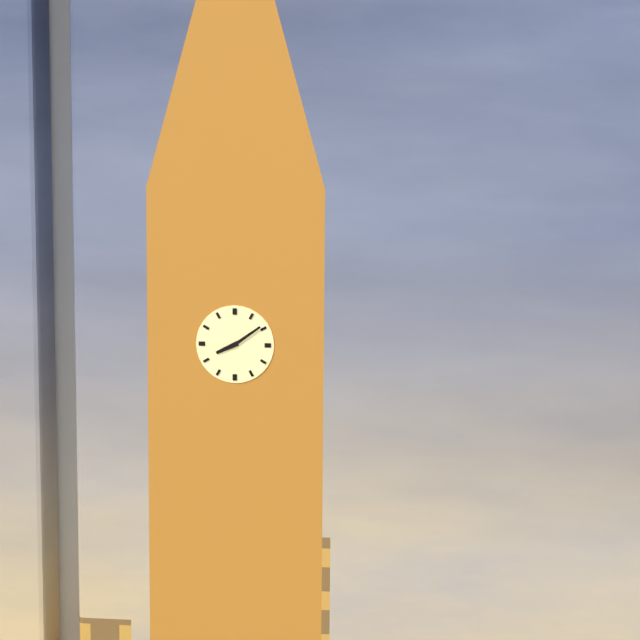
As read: 8:09
